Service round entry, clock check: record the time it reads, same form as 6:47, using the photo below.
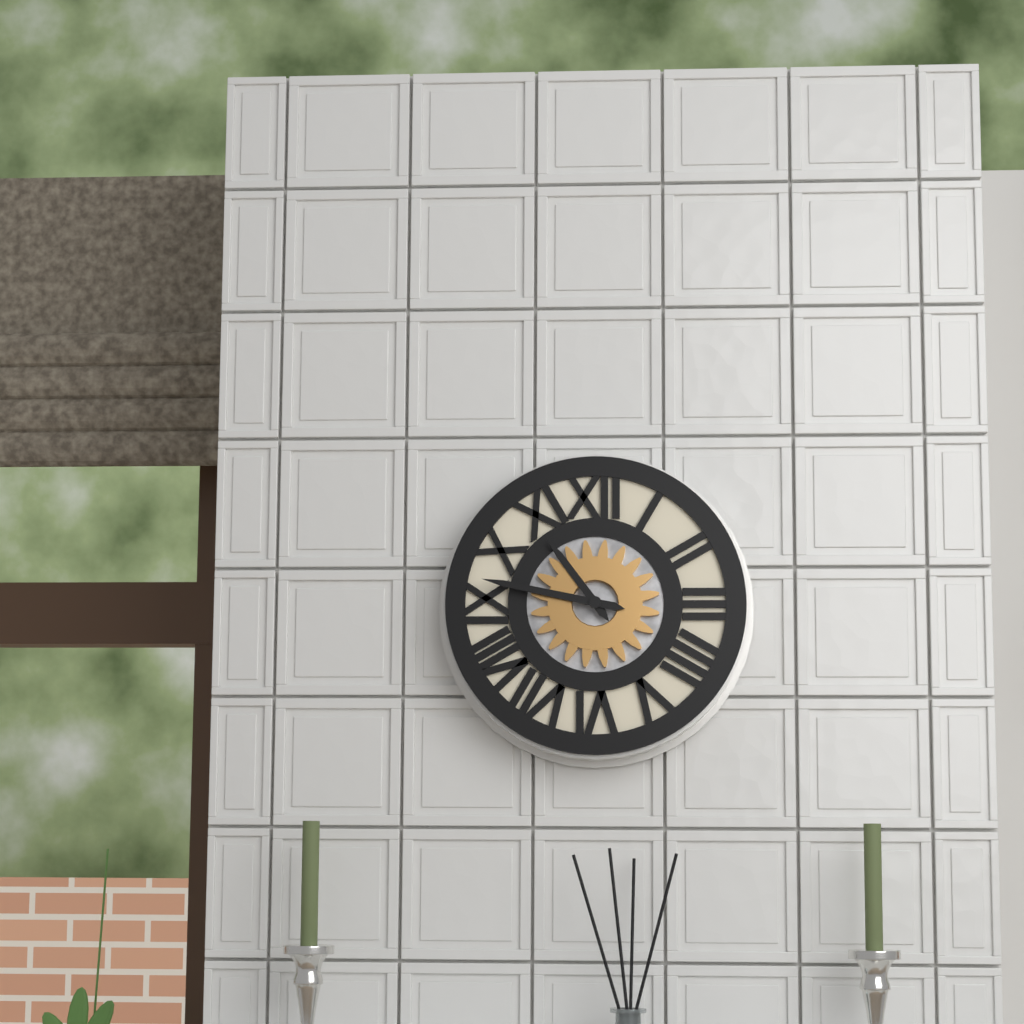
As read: 10:47
